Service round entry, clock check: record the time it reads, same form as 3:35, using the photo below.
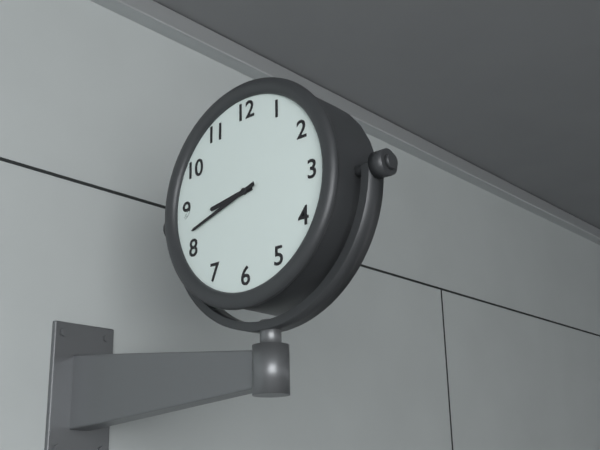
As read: 8:42
